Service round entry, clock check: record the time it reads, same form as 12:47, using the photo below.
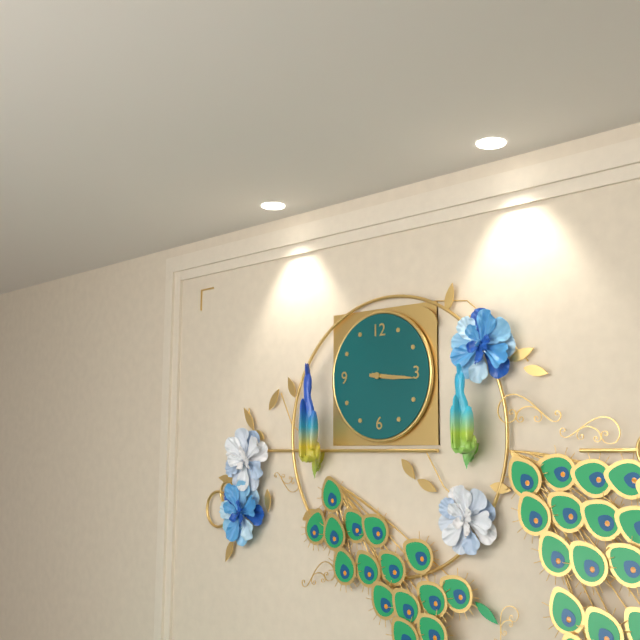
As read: 3:16
